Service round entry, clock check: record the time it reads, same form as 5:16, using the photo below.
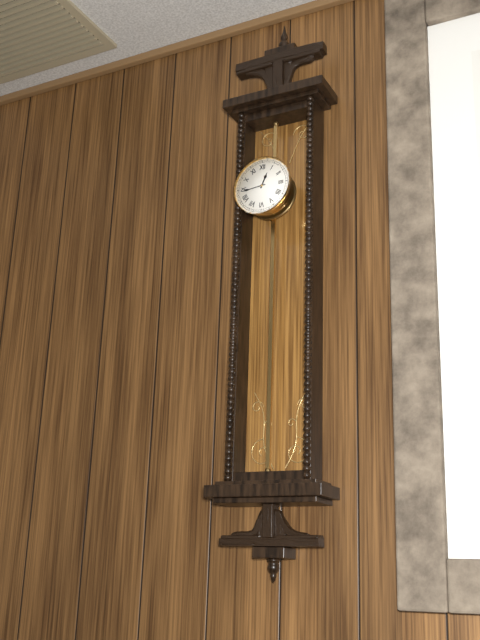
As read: 12:44
